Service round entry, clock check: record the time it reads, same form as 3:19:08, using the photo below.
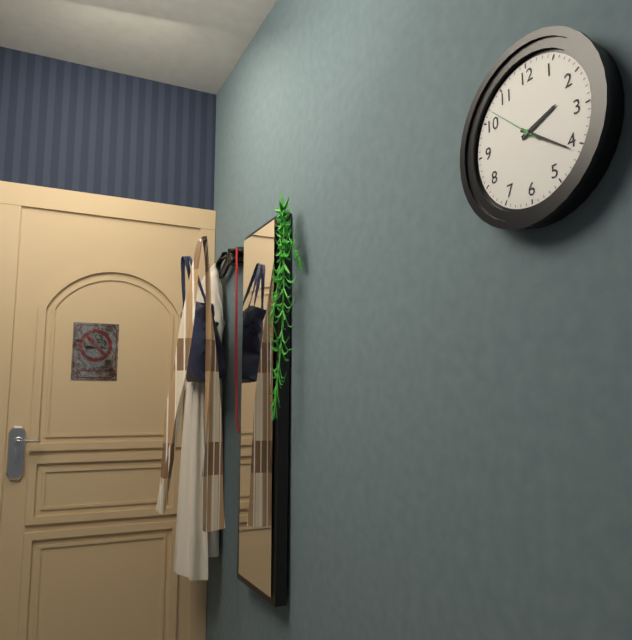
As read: 2:21:52
